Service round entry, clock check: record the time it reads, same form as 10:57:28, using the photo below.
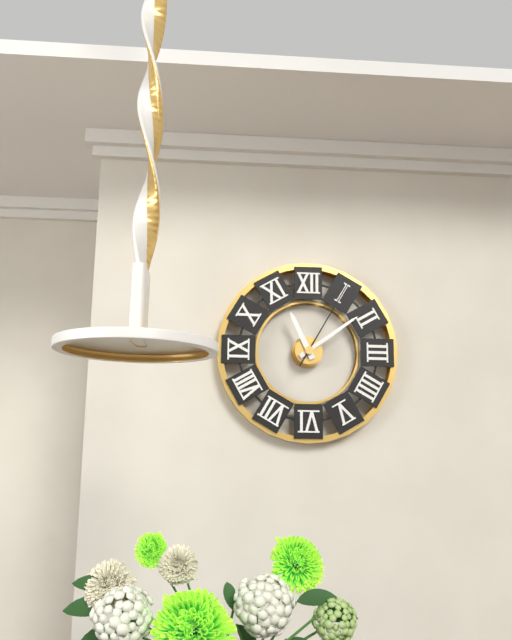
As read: 11:09:05
